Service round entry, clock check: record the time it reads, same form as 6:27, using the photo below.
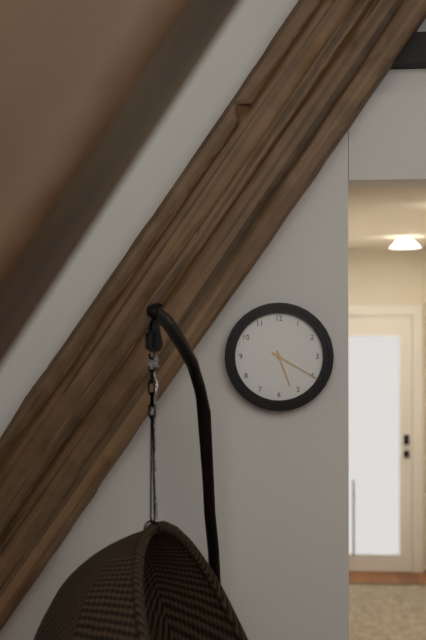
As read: 5:20
